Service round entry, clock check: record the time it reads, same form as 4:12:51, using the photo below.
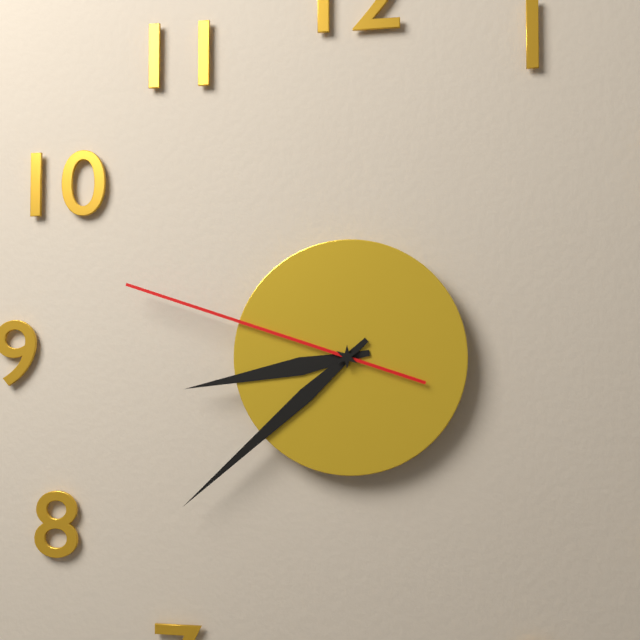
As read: 8:38:48
